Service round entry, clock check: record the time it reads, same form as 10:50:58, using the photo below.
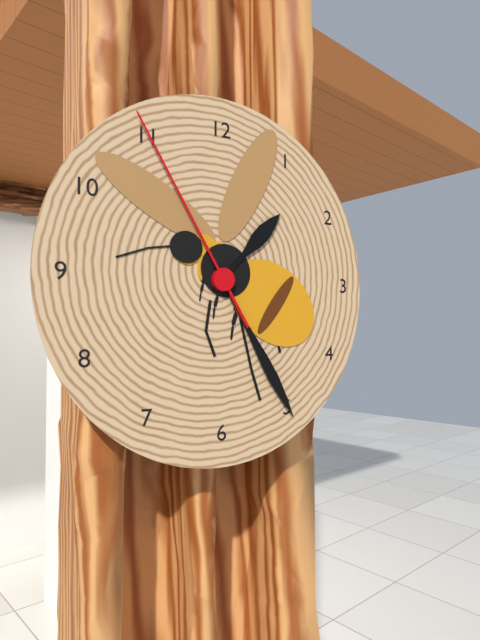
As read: 1:25:55
